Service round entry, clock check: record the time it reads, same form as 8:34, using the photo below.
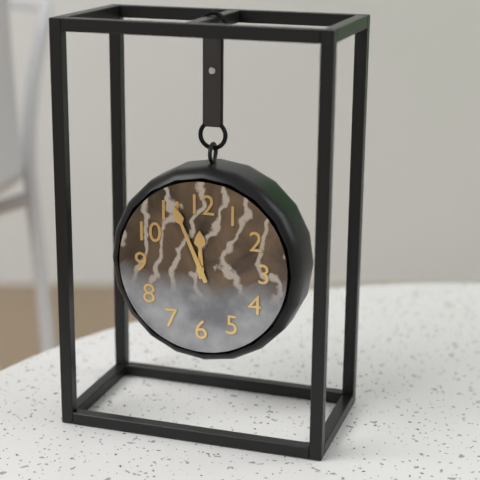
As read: 11:56
